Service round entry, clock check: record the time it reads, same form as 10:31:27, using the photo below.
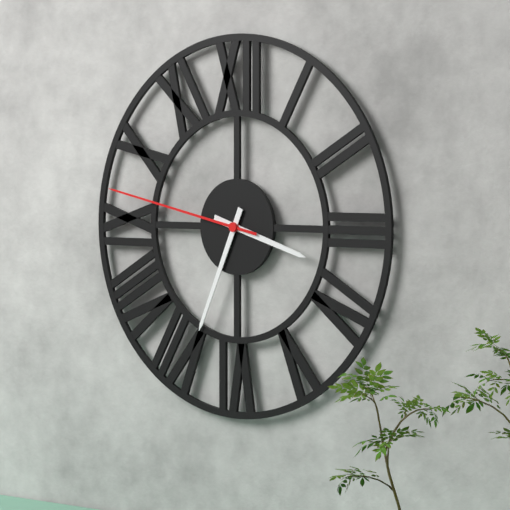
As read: 3:34:47
